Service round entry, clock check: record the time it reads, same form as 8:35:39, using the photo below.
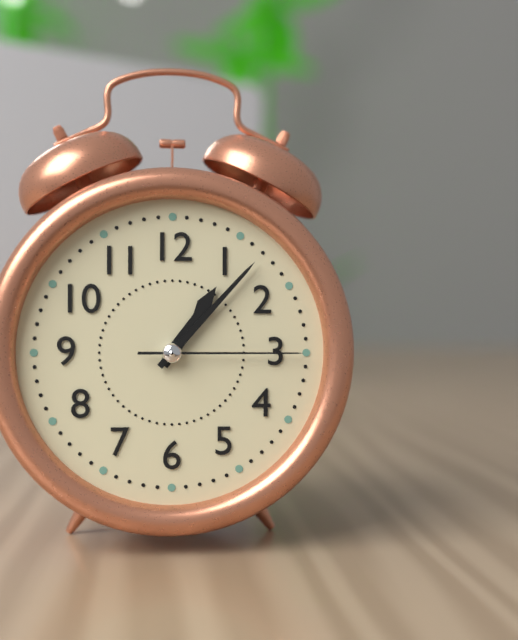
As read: 1:07:15
